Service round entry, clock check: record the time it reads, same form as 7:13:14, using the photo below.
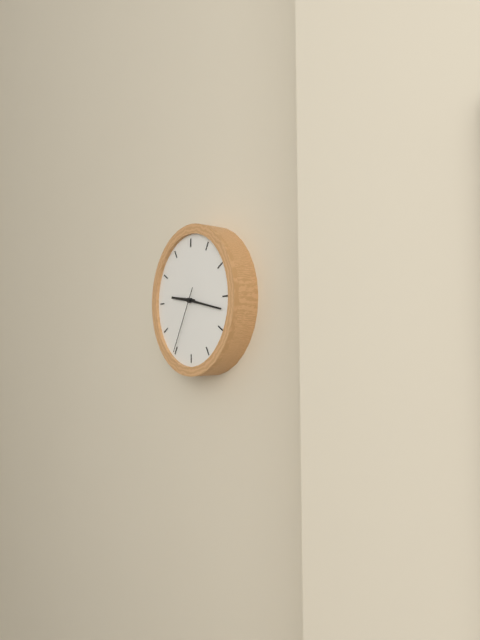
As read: 9:17:35
